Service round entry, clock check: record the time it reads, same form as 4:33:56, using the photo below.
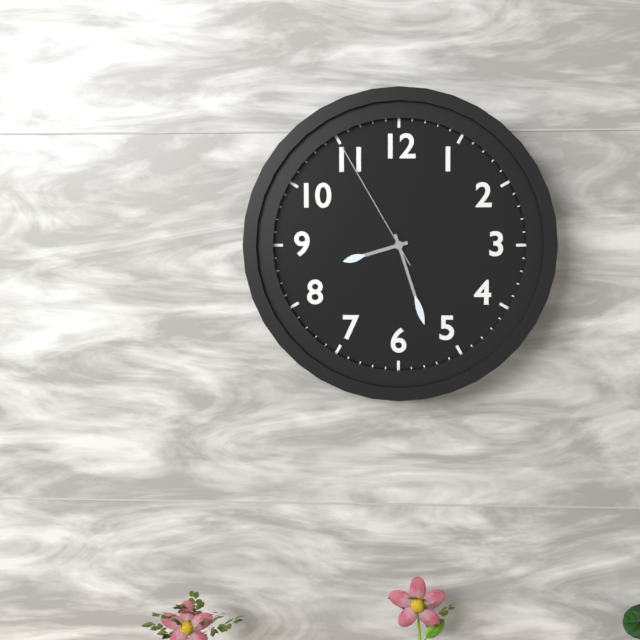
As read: 8:27:55
